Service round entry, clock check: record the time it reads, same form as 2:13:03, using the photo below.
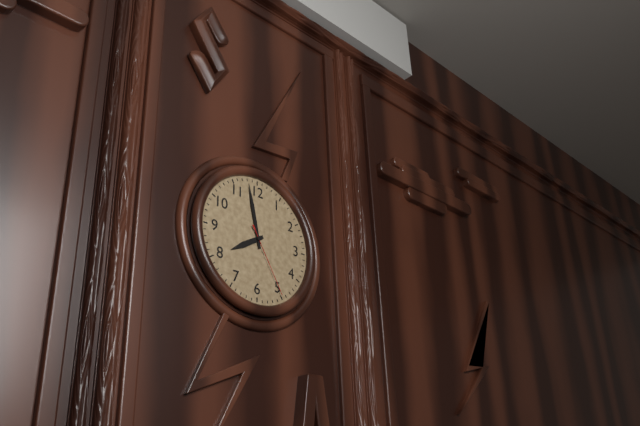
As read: 7:58:25
